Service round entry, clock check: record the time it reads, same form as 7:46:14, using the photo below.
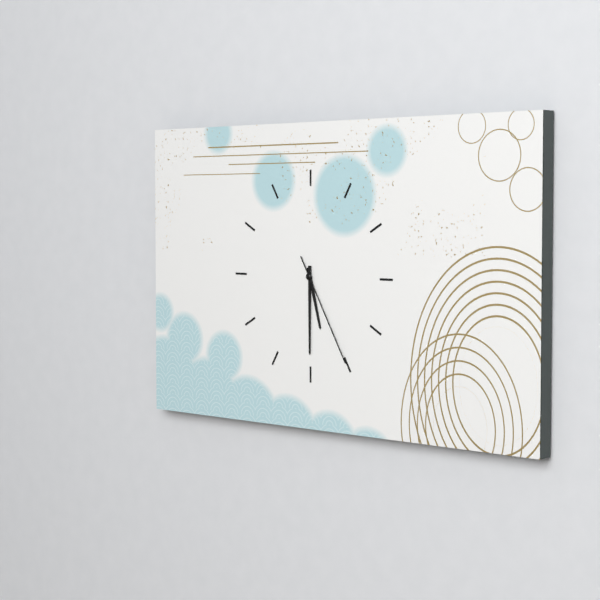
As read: 5:30:25
